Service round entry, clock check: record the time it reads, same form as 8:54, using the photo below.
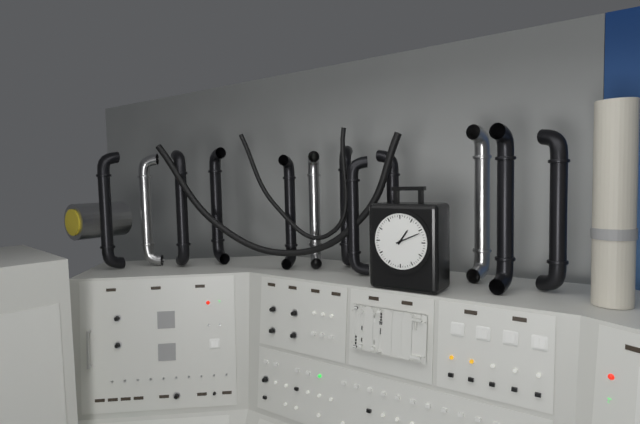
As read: 1:11
